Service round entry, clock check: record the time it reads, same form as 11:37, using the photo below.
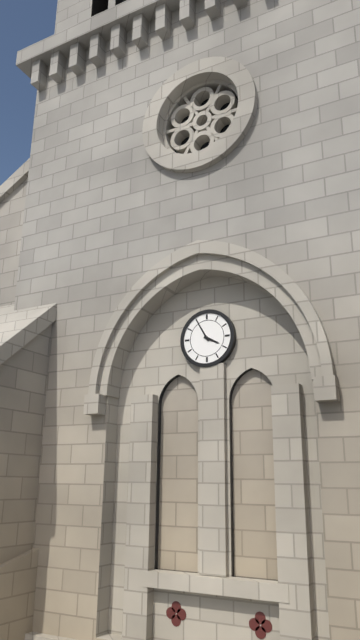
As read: 3:55
